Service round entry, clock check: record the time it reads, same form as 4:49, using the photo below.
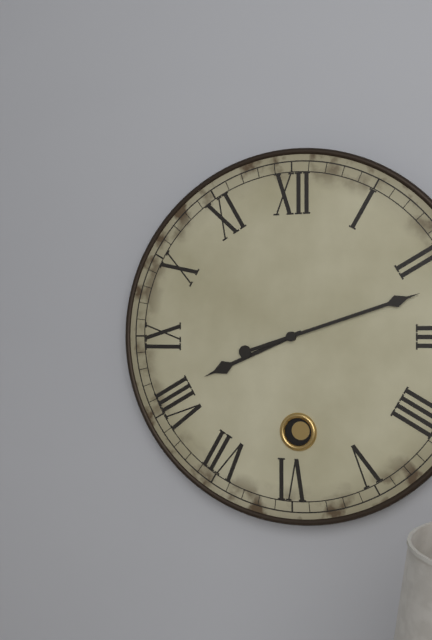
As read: 8:12
